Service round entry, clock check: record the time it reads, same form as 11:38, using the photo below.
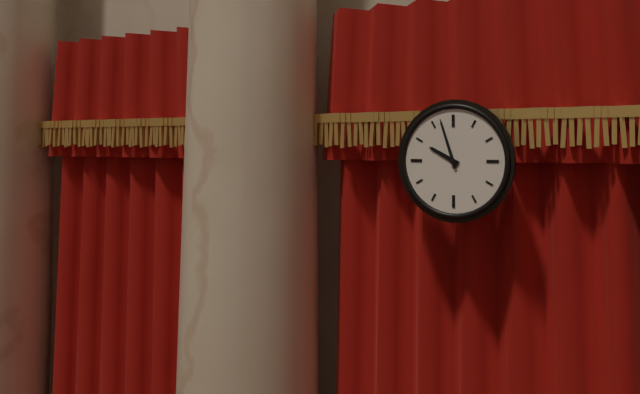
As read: 9:57
